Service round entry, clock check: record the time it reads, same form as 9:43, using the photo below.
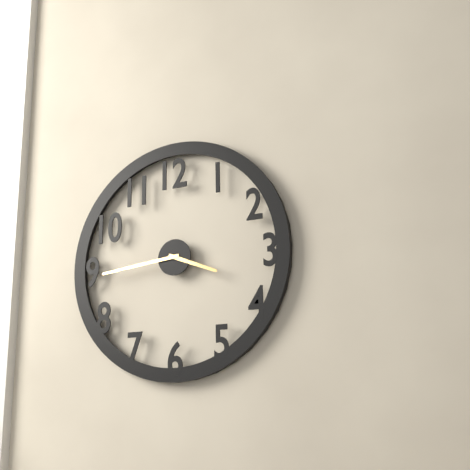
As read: 3:44
